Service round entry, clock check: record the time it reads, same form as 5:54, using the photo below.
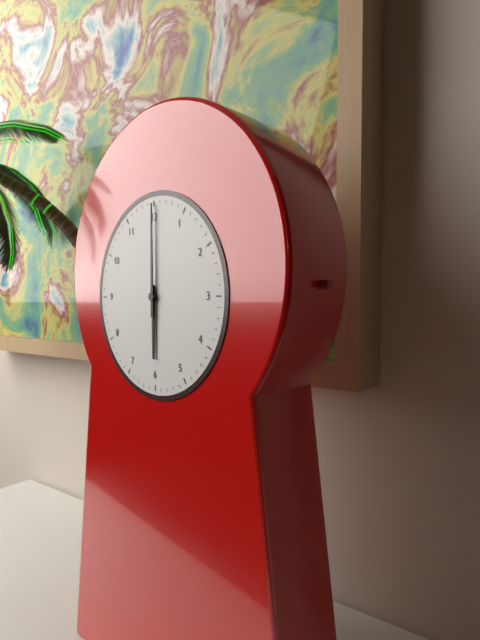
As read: 6:00
